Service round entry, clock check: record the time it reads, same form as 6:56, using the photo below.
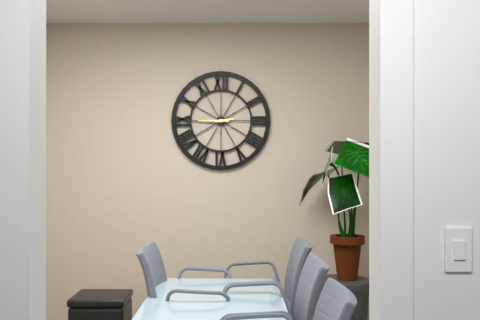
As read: 2:45
